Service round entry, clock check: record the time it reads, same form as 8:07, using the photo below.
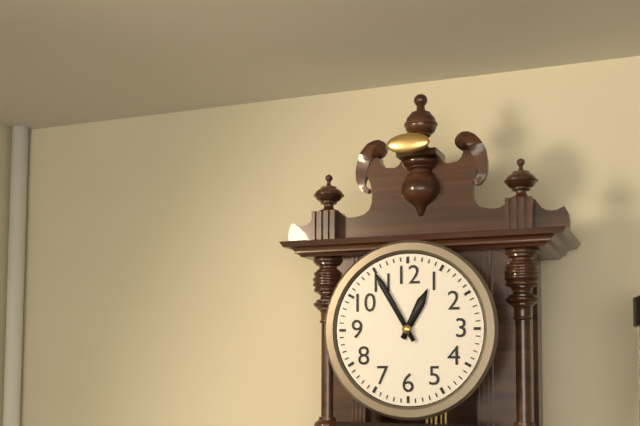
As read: 12:55
